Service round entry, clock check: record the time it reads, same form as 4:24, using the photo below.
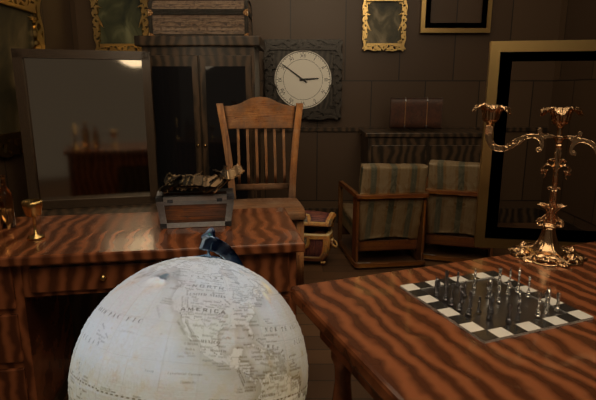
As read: 2:51
